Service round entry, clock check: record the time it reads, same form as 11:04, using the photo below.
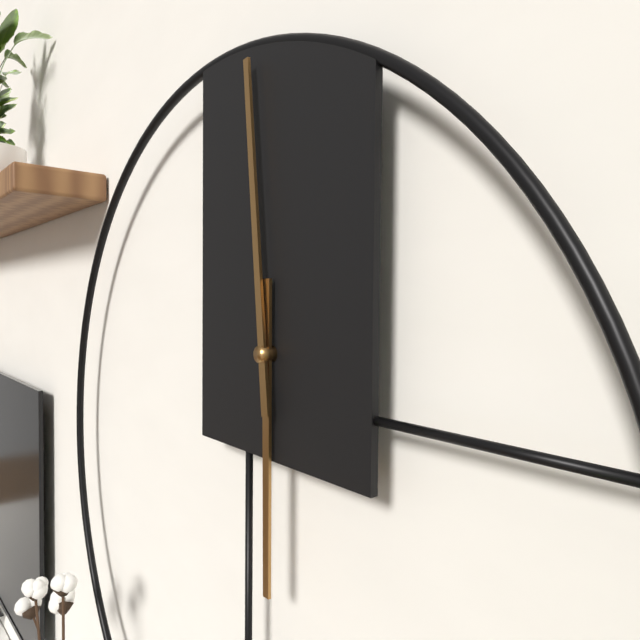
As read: 5:59
